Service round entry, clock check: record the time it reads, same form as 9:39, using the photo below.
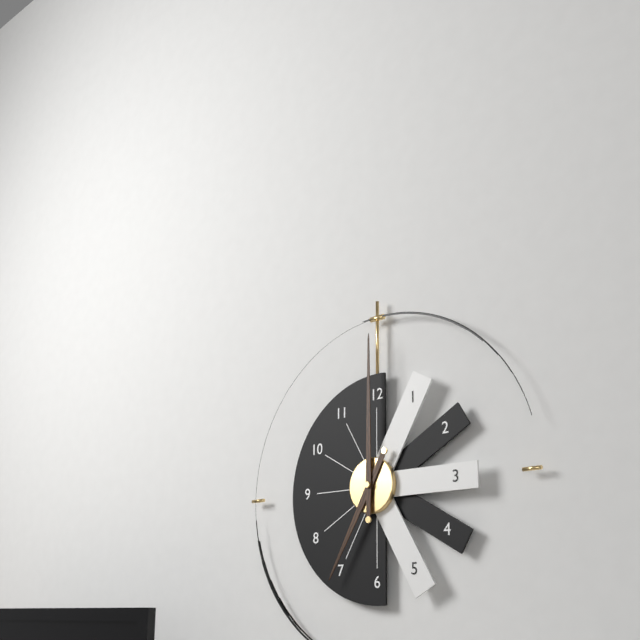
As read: 7:00
